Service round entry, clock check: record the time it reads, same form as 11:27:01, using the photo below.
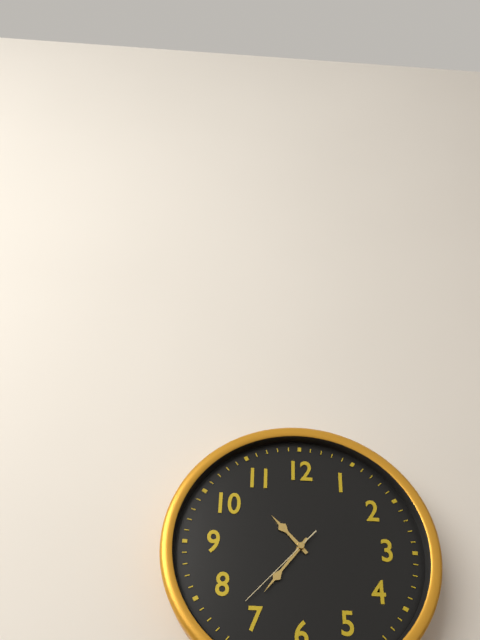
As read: 10:36:37
